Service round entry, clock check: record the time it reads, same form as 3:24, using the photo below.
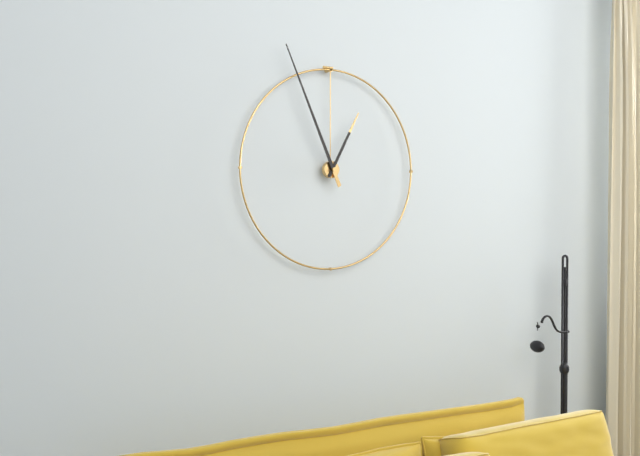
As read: 12:56
